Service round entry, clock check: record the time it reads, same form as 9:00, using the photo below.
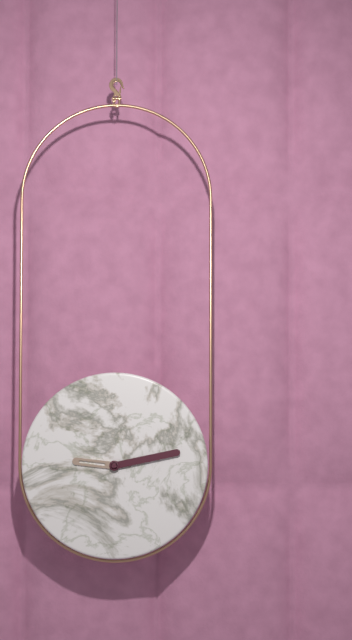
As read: 9:13
